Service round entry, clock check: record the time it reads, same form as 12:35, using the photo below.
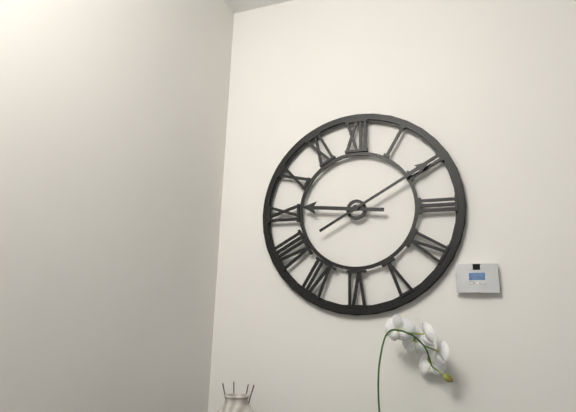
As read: 9:10
